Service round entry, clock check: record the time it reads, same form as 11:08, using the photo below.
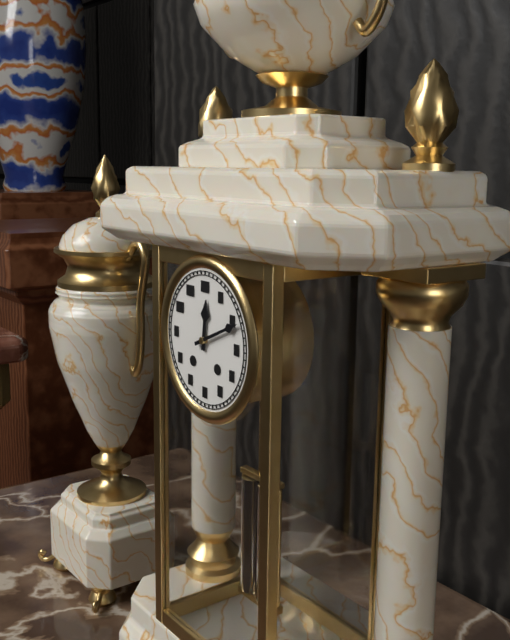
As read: 12:11
